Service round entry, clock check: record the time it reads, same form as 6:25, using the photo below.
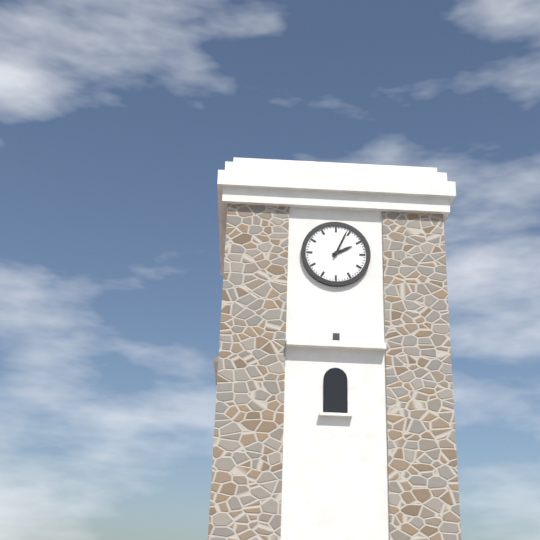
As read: 2:04
